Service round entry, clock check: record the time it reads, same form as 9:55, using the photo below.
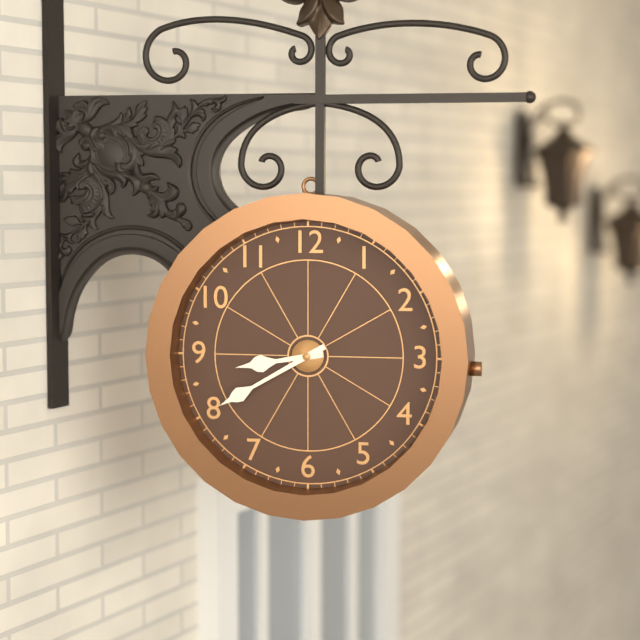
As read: 8:40
